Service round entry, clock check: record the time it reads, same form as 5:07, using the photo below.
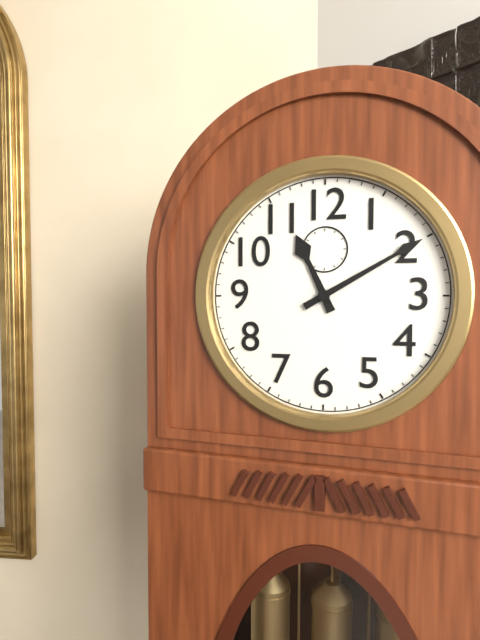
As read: 11:10
